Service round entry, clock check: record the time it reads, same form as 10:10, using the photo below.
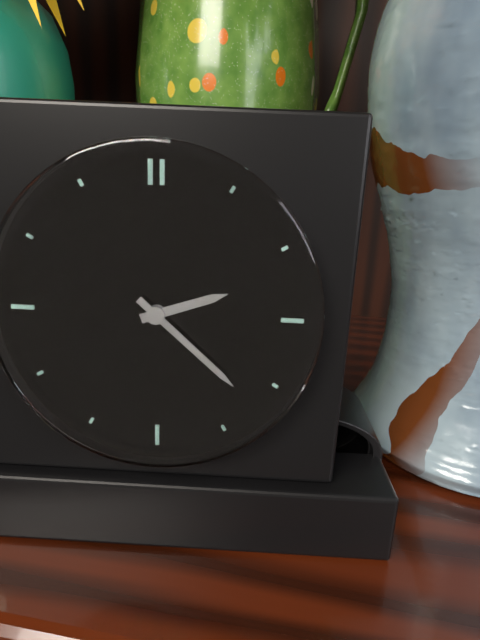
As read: 2:22
